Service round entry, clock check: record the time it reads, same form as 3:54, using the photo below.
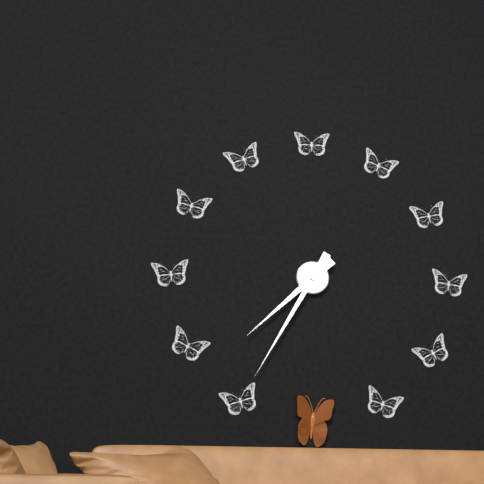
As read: 7:35
